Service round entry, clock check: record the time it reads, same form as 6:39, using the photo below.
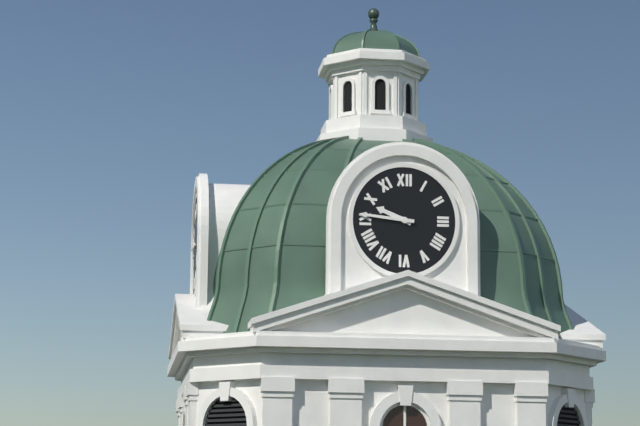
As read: 9:46
